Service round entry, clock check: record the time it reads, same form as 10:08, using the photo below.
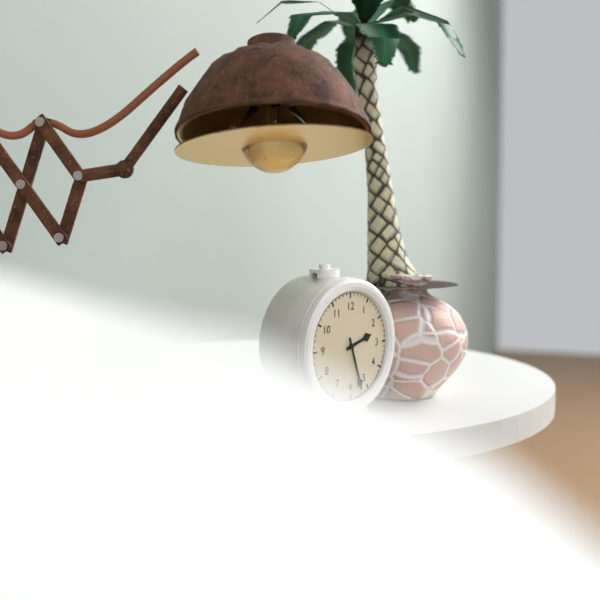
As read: 2:27
